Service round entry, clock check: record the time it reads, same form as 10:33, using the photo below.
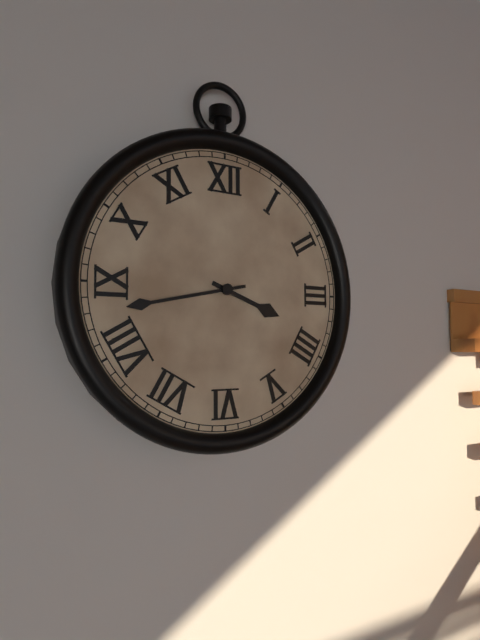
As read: 3:43
